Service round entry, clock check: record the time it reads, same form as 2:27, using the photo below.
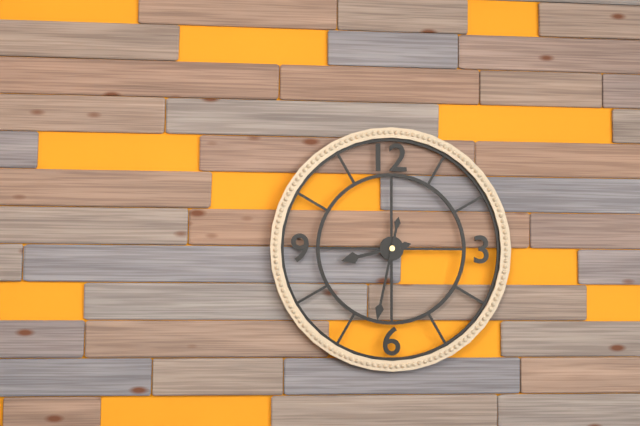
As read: 8:32
